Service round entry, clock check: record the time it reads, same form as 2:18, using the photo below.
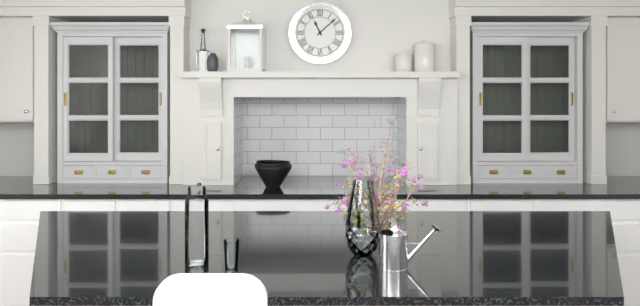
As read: 11:08
